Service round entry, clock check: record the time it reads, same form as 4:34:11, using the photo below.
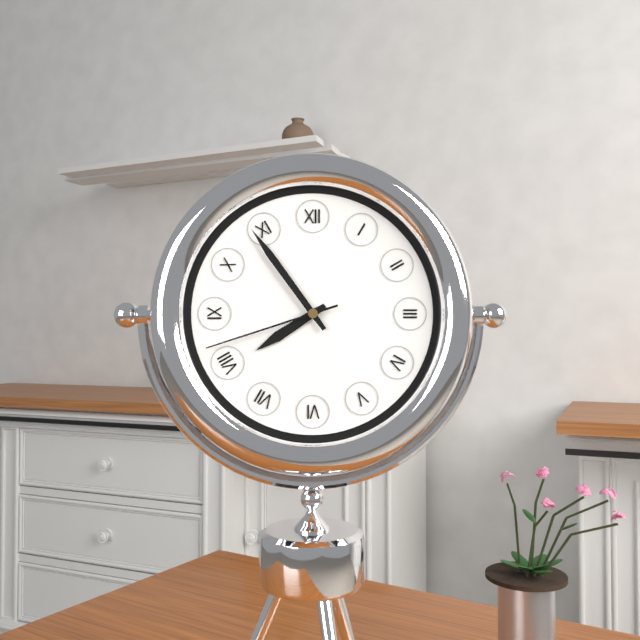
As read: 7:54:42
